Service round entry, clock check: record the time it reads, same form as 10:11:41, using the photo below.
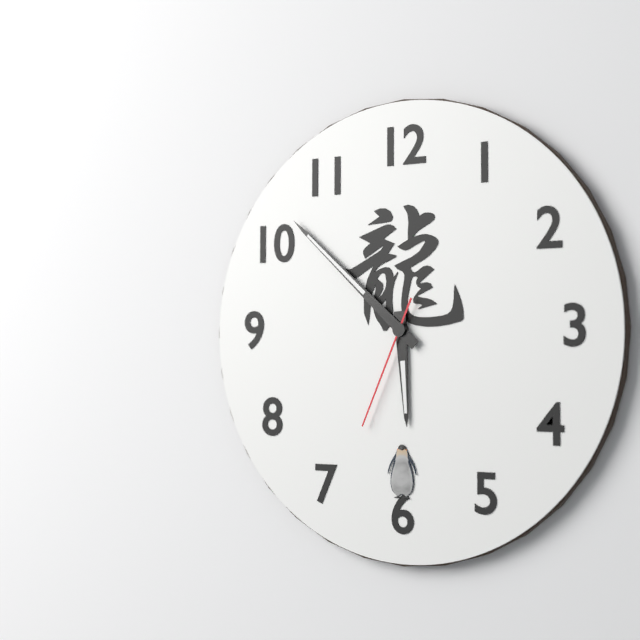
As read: 5:52:34
